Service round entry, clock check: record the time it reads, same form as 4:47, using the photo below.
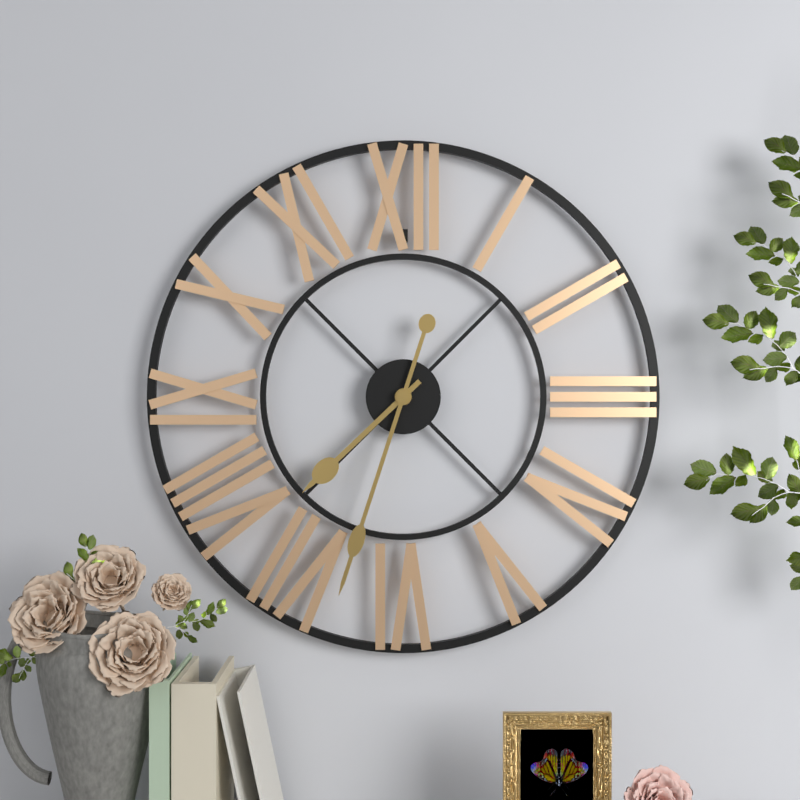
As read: 7:33
